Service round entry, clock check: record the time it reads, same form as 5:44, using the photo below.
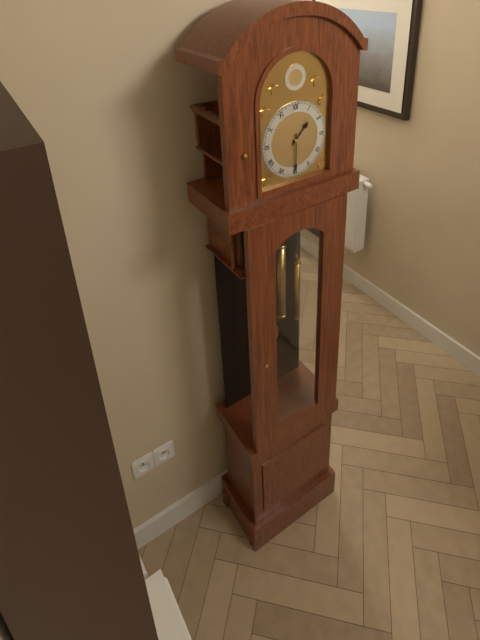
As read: 1:30
